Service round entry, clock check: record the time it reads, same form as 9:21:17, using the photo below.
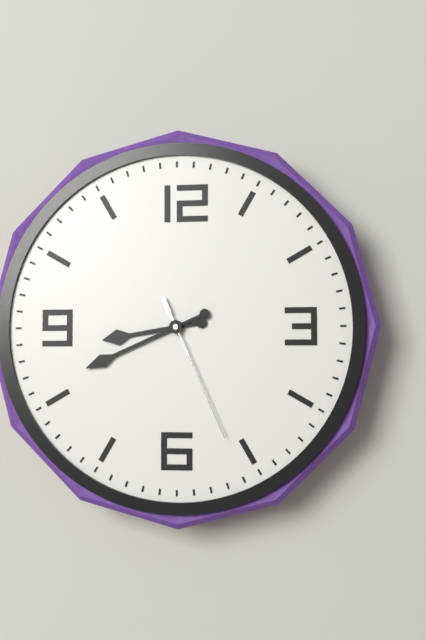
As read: 8:41:26
